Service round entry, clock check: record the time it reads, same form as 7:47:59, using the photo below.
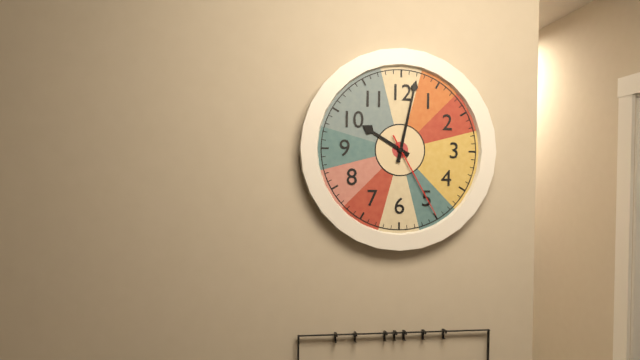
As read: 10:02:25
